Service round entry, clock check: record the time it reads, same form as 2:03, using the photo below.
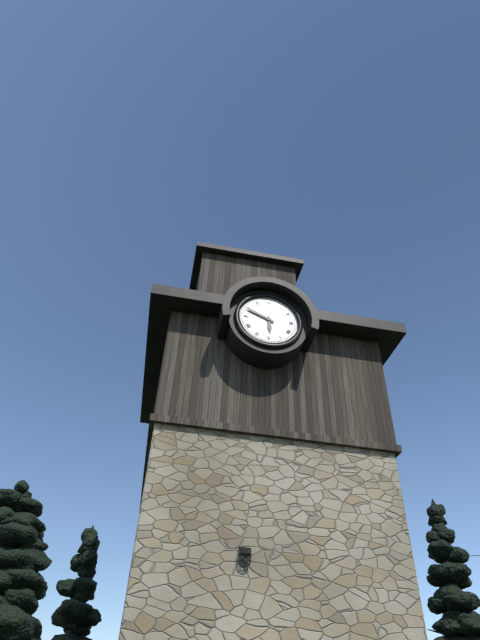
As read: 5:49
